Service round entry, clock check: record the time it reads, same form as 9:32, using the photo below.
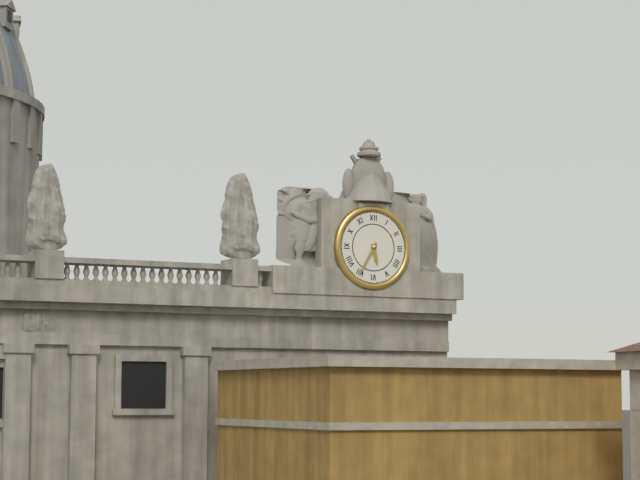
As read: 5:35
